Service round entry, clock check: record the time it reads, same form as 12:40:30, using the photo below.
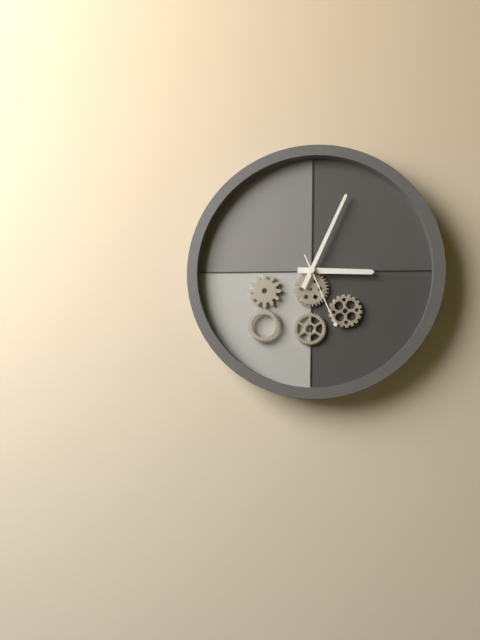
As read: 3:04:26
